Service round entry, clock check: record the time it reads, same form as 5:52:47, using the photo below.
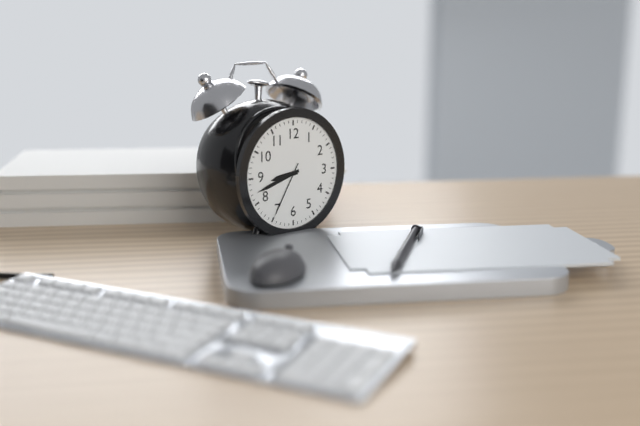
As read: 8:42:35
